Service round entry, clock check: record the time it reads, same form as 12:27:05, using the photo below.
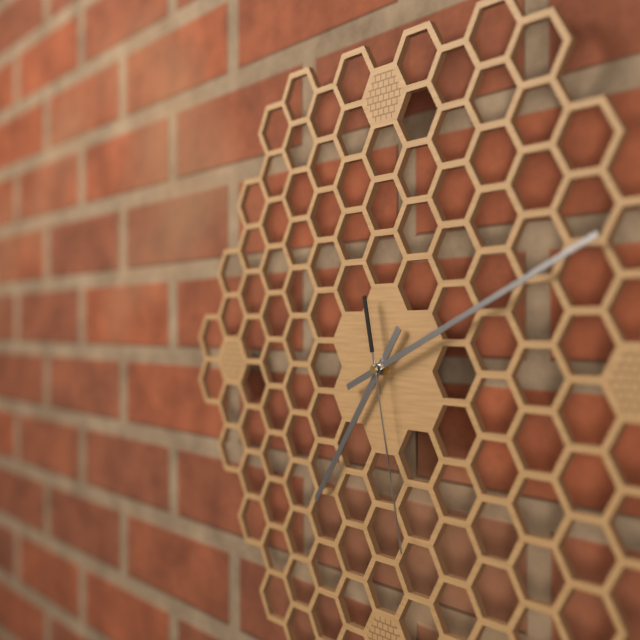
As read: 7:11:28
